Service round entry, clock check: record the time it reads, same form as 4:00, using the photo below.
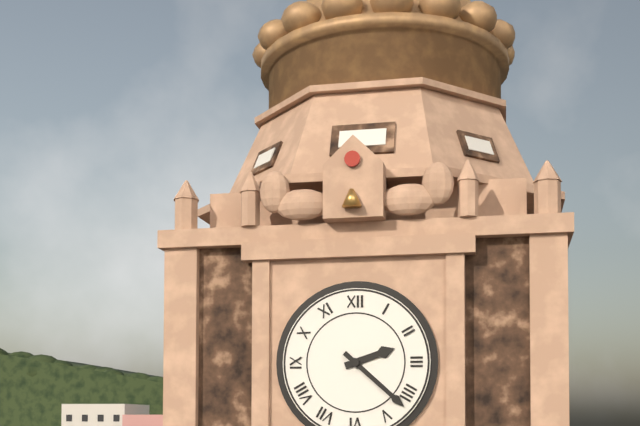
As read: 2:22
